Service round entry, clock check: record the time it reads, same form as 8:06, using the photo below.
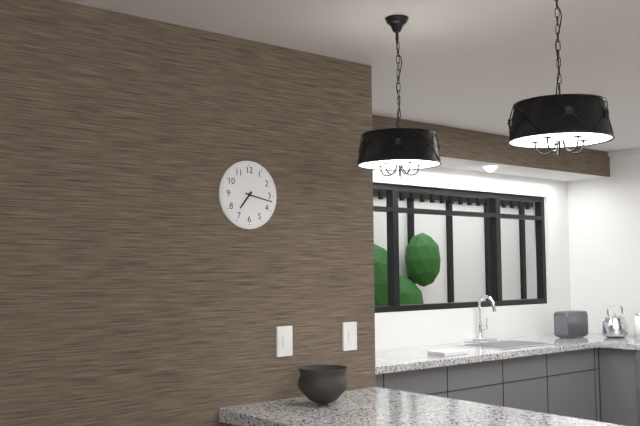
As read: 7:17
